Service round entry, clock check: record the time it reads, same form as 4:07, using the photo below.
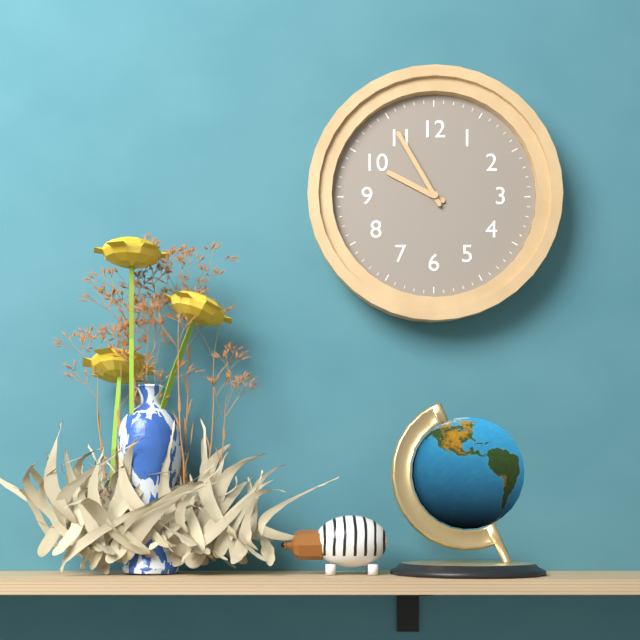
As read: 9:55
